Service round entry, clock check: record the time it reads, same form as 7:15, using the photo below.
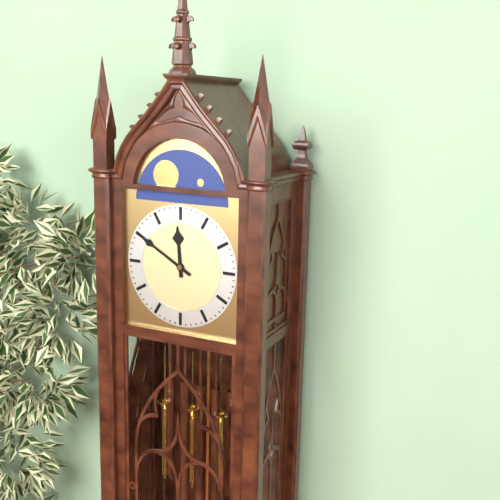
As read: 11:50
